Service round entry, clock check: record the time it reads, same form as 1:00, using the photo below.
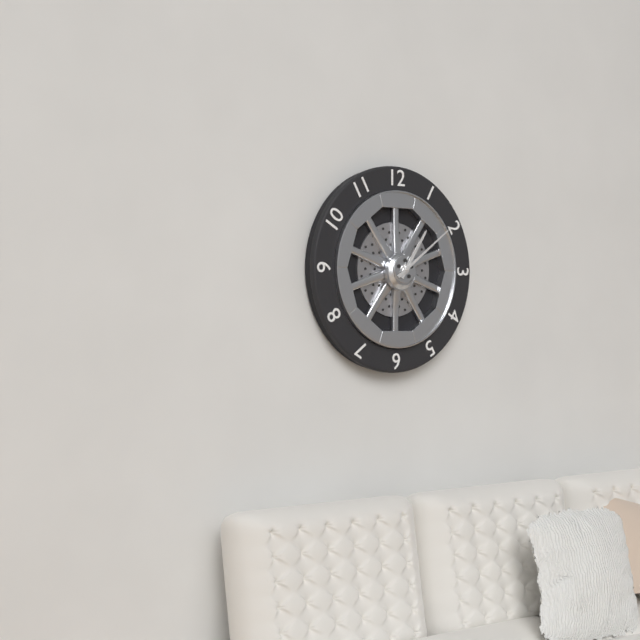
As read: 1:09
